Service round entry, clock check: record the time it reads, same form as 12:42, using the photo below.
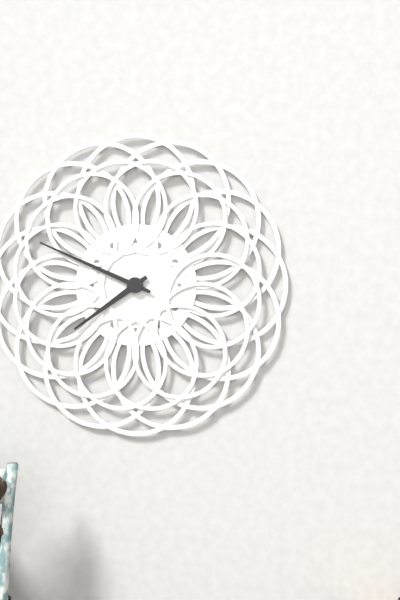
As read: 7:49
